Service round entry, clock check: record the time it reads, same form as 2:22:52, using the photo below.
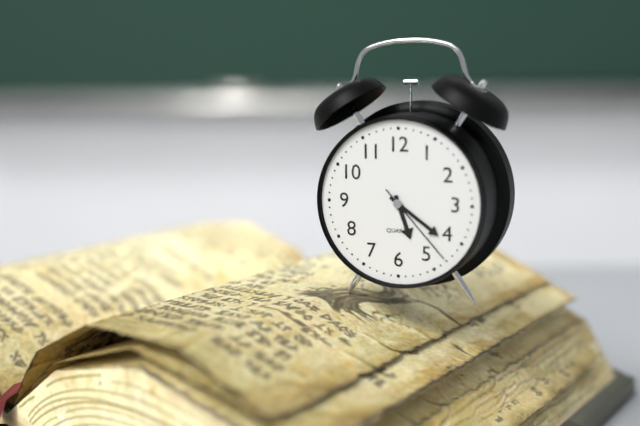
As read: 5:21:23
